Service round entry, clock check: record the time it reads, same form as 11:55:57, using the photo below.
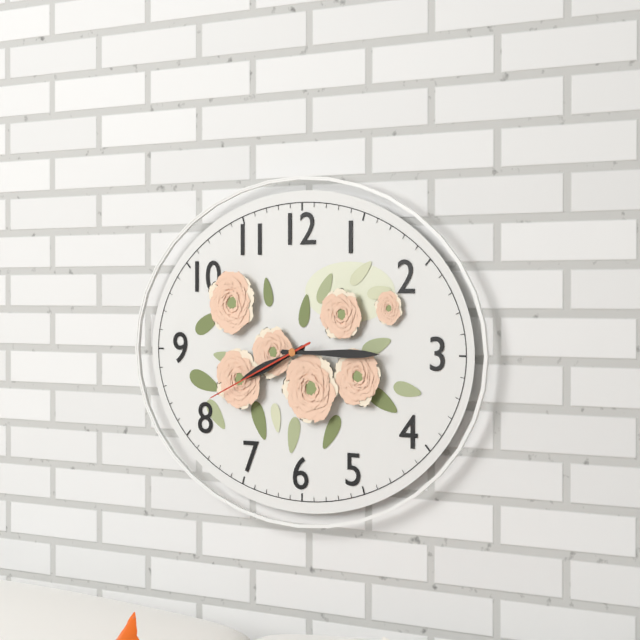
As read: 8:15:41
